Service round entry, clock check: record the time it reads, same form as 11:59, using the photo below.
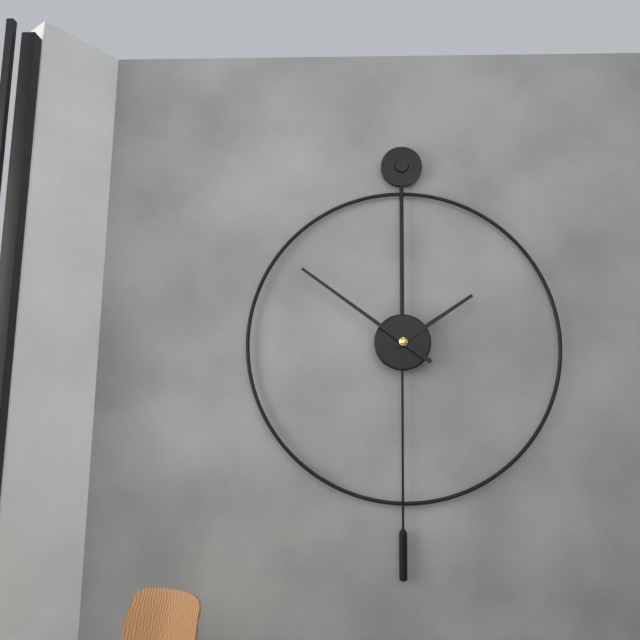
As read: 1:51
